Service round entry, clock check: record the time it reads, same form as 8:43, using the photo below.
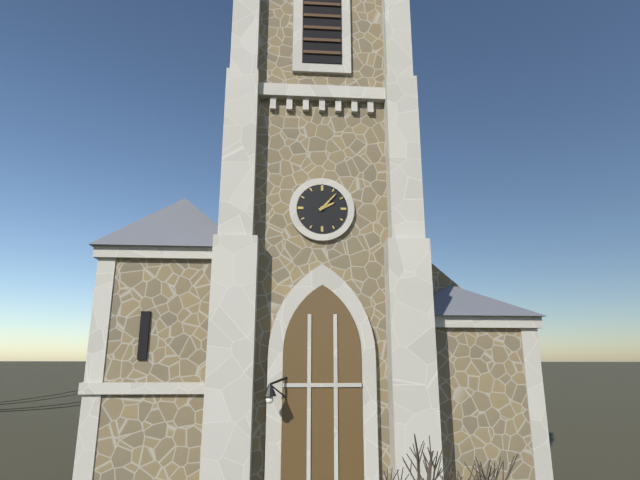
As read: 2:07
